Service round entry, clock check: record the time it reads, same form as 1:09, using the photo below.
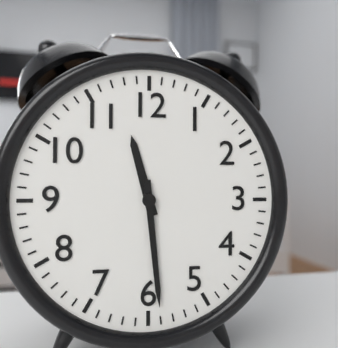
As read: 11:29
